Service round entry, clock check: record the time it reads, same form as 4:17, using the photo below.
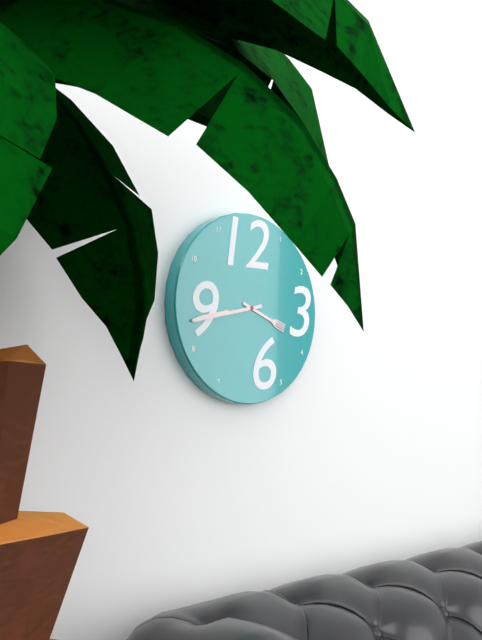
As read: 3:43
